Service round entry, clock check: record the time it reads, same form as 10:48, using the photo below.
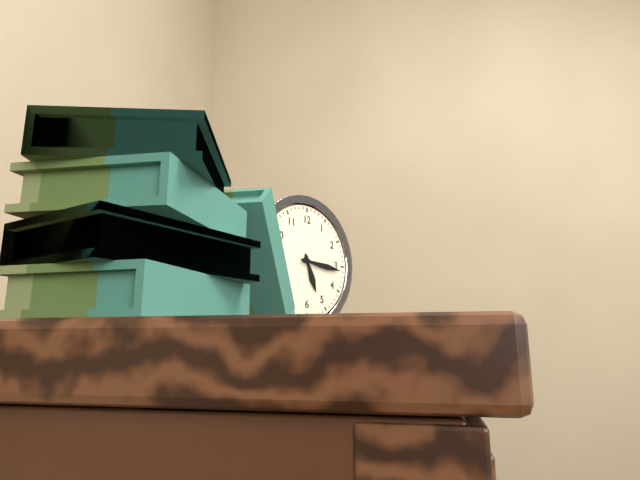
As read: 5:16
